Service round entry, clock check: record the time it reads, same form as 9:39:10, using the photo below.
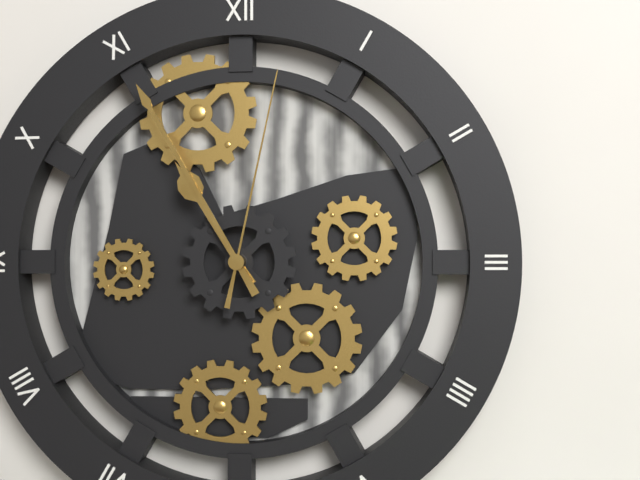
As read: 10:55:02
